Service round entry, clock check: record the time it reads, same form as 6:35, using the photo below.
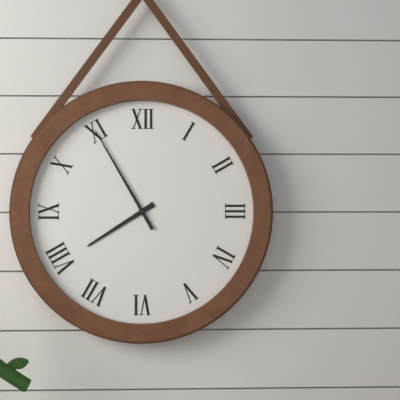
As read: 7:55
